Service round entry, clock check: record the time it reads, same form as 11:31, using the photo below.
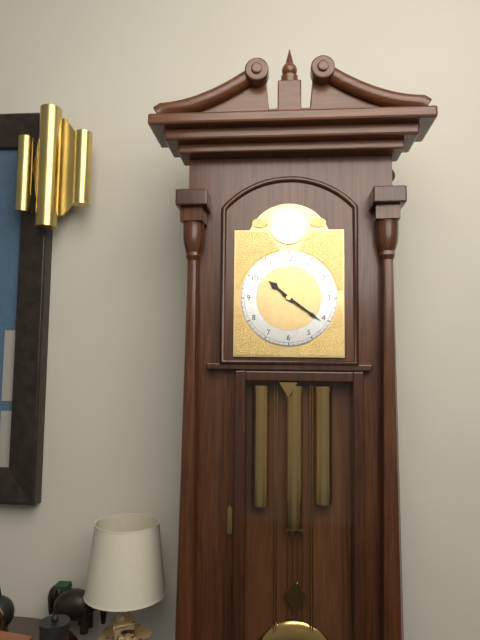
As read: 10:21
